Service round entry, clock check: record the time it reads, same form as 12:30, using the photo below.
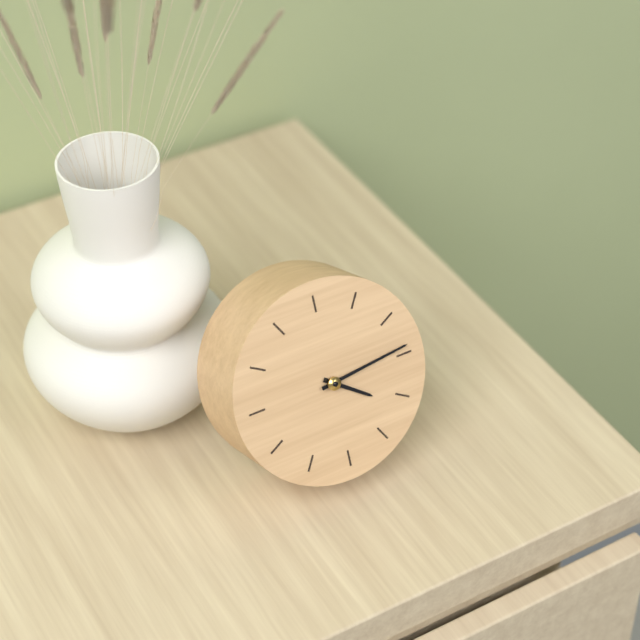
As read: 4:14
